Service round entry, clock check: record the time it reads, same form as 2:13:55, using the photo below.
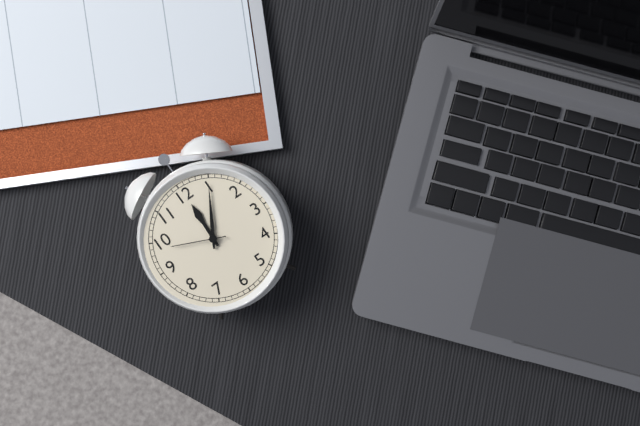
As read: 12:05:49
